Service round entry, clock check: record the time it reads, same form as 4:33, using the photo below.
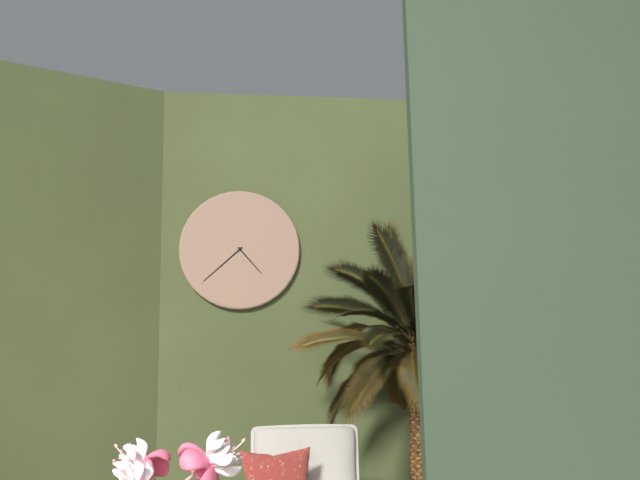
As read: 4:38
